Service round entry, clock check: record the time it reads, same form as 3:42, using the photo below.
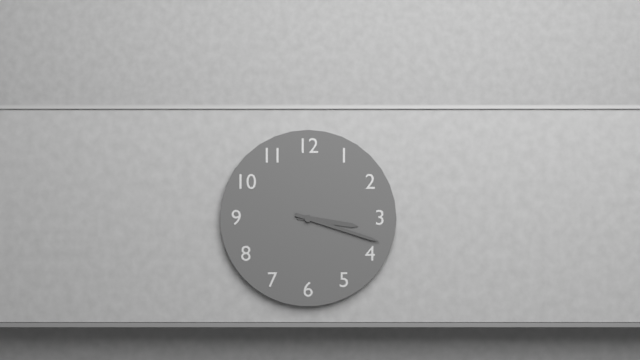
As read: 3:18
